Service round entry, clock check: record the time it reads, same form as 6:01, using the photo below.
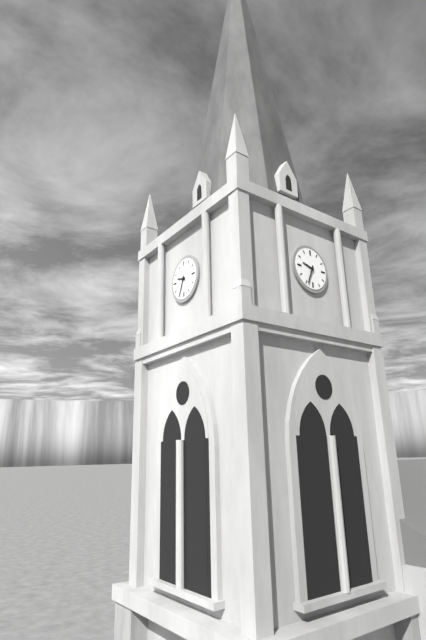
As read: 9:34
